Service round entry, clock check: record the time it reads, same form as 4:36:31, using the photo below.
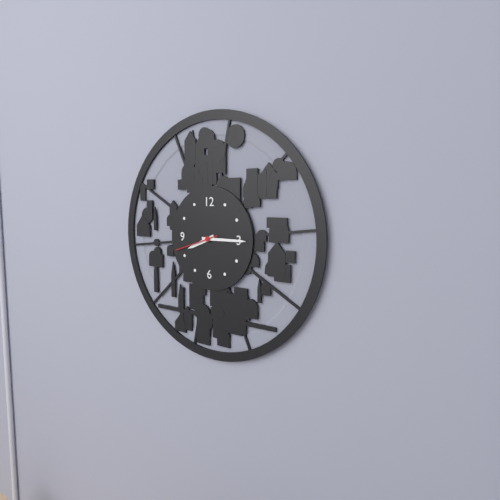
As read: 8:15:42
